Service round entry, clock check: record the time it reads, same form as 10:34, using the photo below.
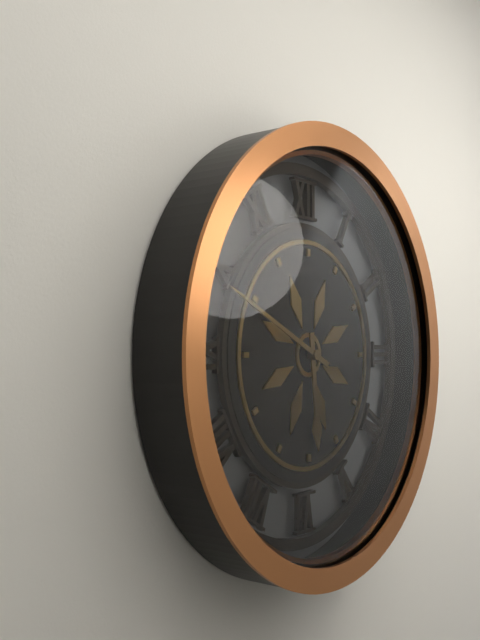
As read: 5:49
